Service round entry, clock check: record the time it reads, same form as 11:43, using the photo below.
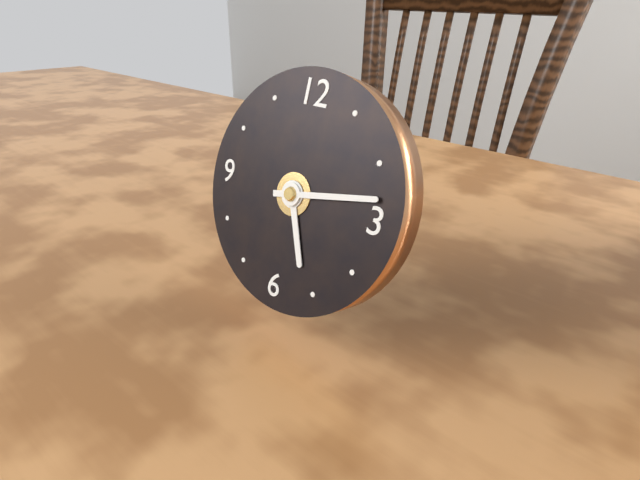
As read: 5:13
